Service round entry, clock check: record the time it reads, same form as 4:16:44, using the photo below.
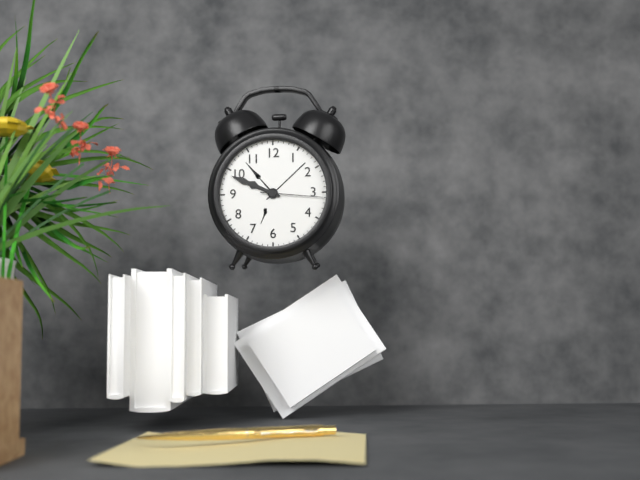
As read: 9:49:16
